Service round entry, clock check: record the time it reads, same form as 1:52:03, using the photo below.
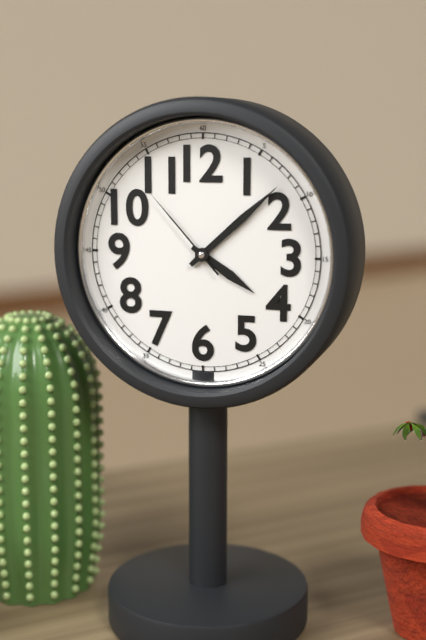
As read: 4:08:53
